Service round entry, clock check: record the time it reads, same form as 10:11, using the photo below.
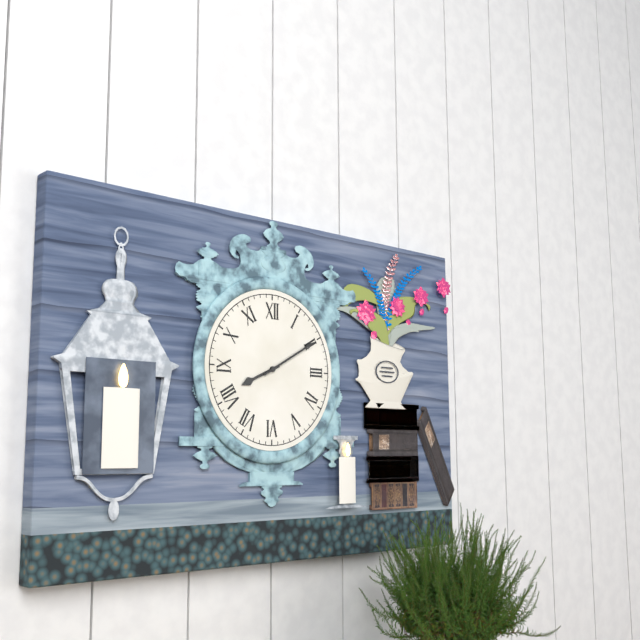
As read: 8:10
